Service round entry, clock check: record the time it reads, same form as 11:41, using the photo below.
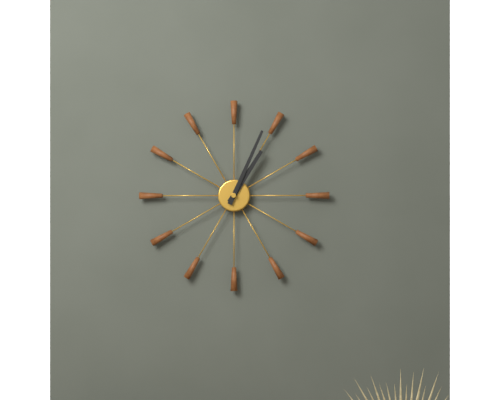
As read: 1:04
